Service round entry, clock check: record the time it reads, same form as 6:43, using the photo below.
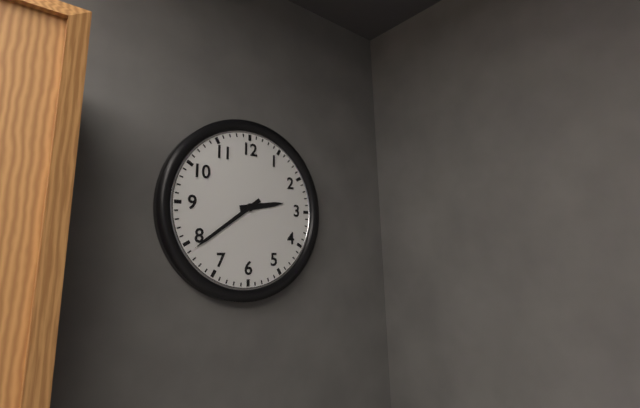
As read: 2:39
